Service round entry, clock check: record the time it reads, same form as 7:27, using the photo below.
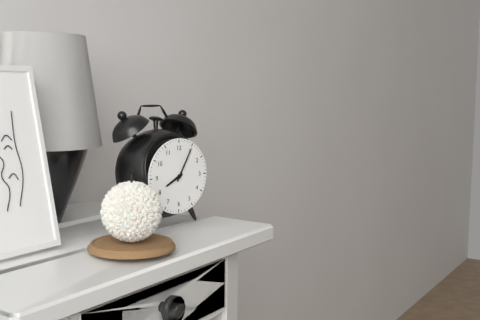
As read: 8:05
